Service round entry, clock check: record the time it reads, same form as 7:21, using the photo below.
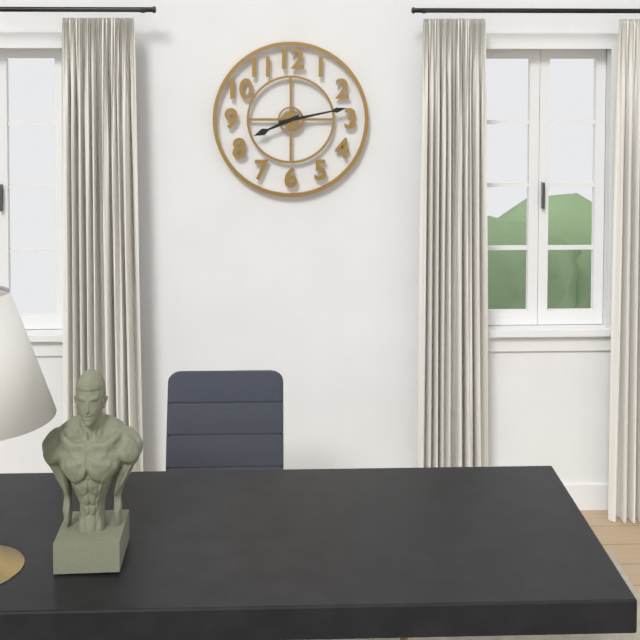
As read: 8:13
